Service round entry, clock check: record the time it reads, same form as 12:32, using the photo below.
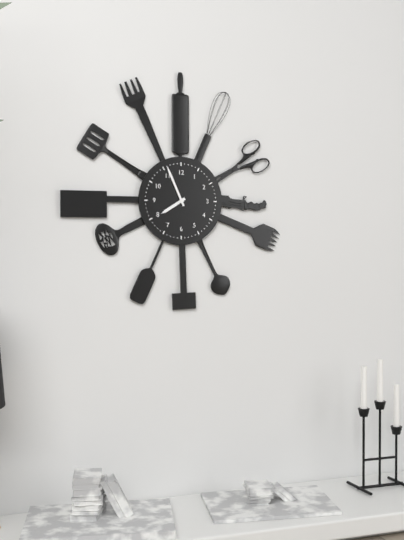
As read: 7:56
